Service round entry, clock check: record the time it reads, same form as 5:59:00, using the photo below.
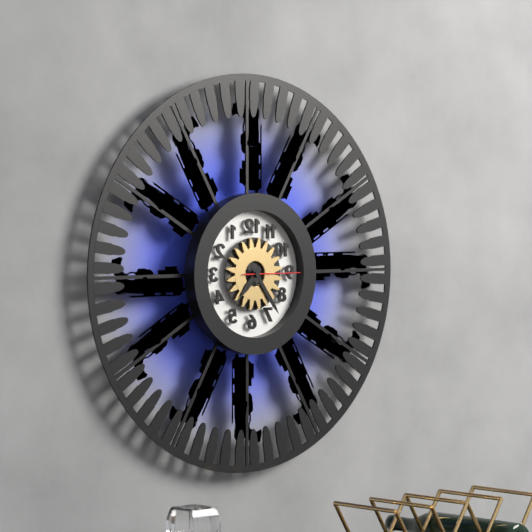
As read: 7:24:15
